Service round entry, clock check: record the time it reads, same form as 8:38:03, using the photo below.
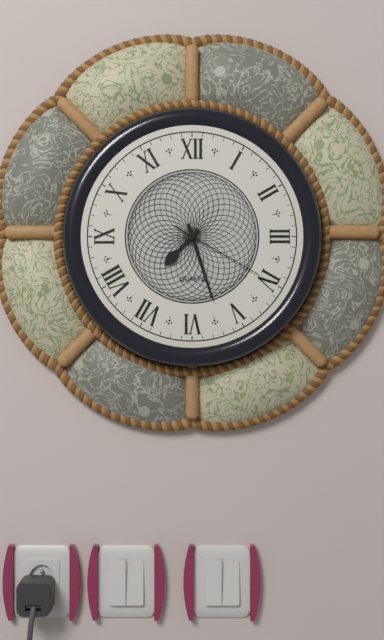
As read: 7:27:20
